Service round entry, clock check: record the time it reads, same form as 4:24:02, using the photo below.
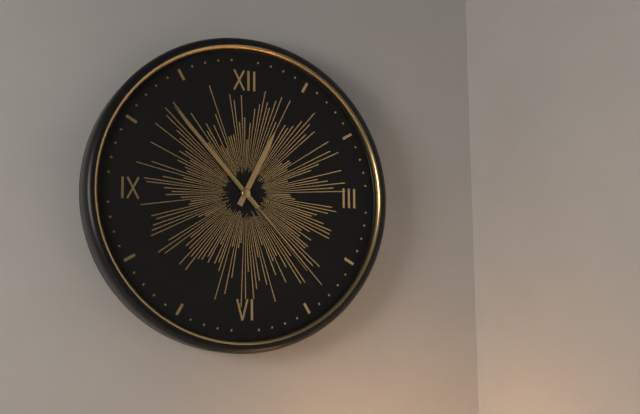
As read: 12:53:23
